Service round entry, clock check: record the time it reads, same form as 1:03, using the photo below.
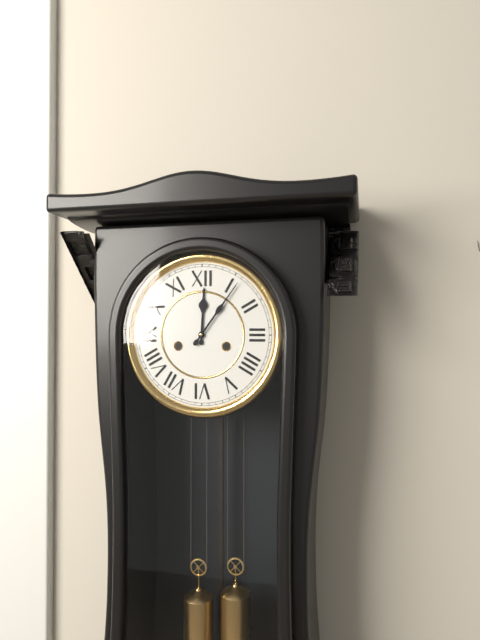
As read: 12:06
